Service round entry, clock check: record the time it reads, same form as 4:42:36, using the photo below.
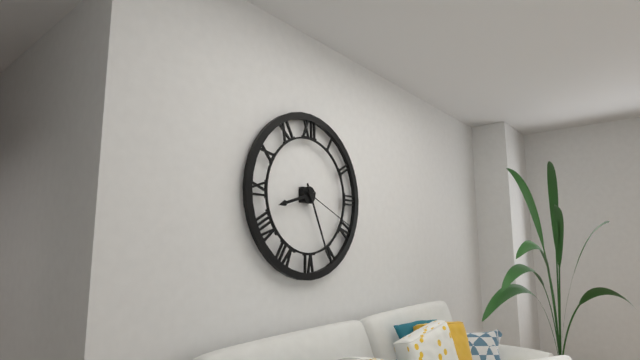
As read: 8:26:19
